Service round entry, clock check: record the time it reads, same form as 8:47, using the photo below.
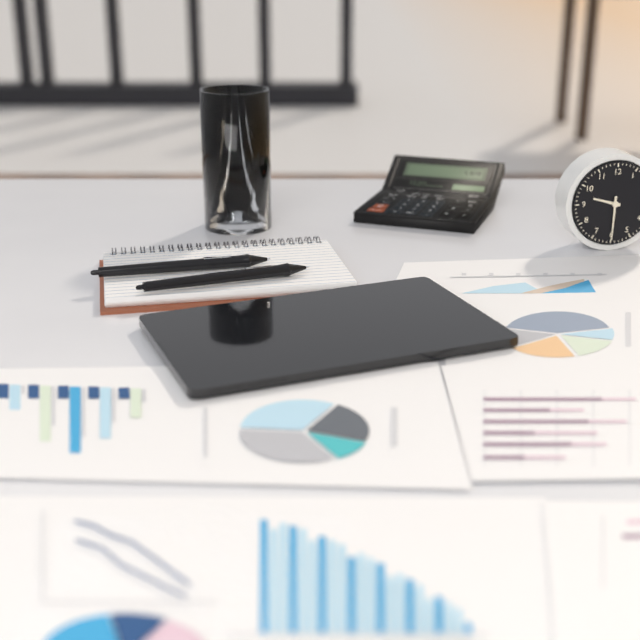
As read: 9:30
